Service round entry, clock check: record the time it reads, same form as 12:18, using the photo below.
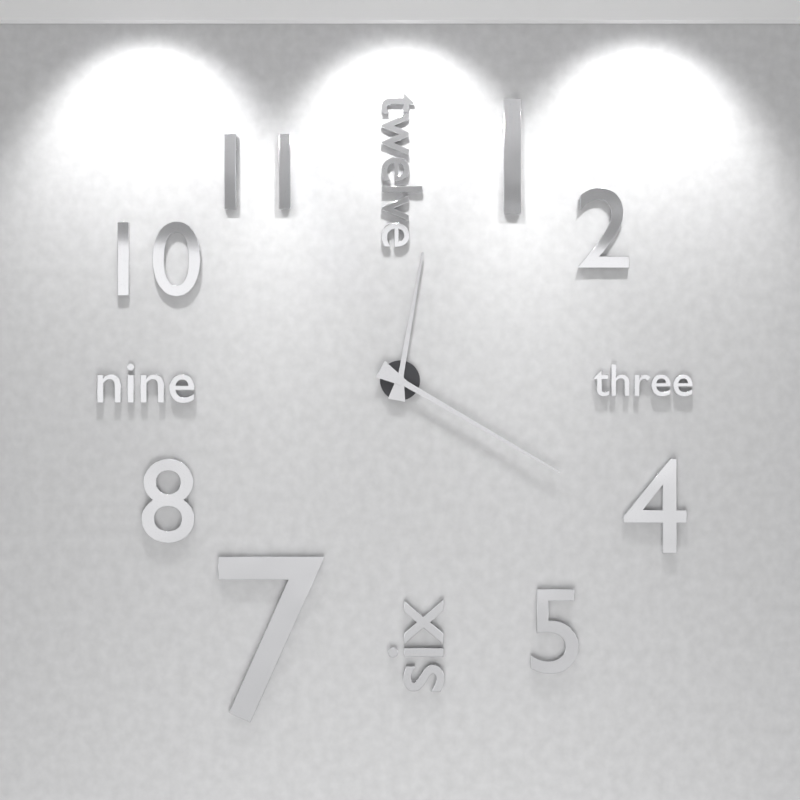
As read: 12:20
